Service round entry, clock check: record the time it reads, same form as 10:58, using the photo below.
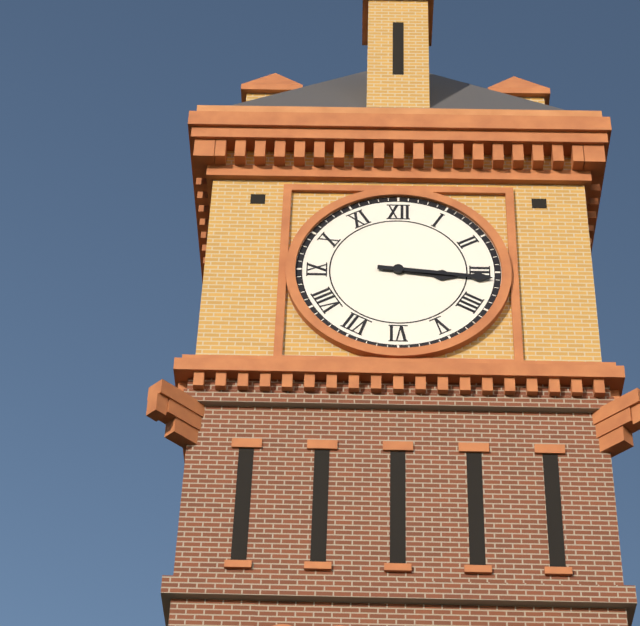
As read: 3:16
